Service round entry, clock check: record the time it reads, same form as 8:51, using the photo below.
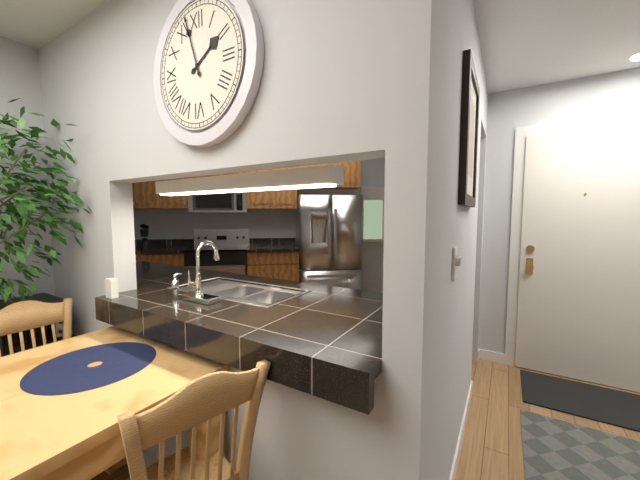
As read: 1:57
